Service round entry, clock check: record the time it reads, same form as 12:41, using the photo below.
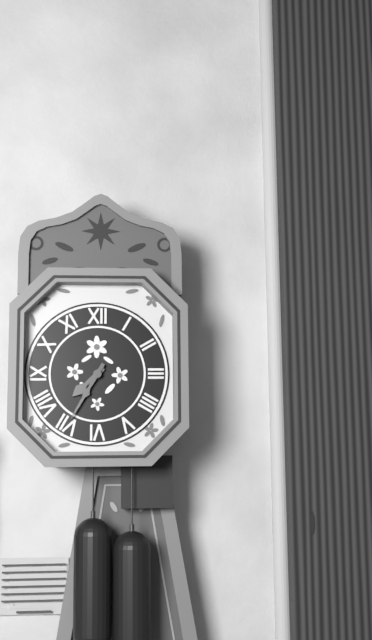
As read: 7:35
